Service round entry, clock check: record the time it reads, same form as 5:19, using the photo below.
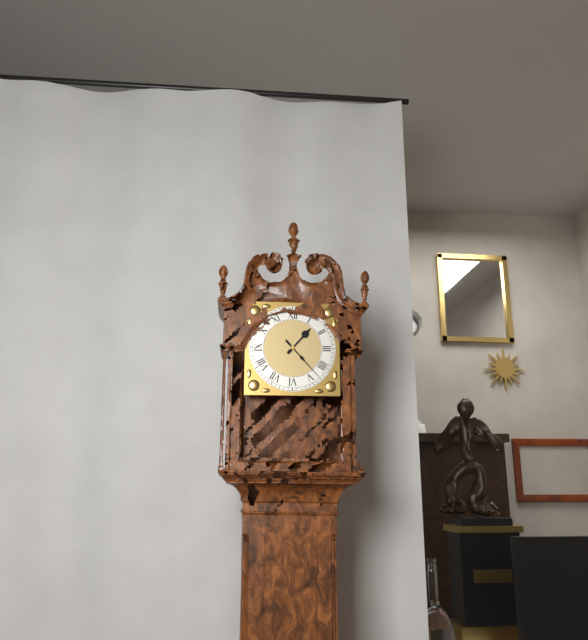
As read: 1:23
